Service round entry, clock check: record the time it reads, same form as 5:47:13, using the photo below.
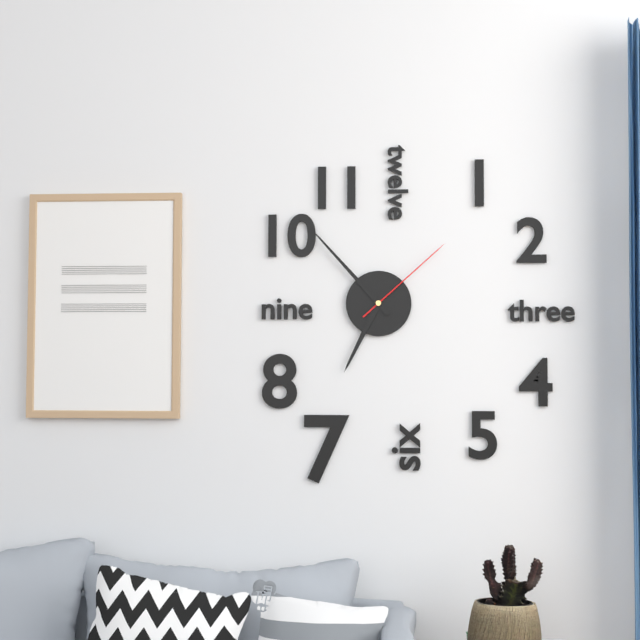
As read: 6:53:08
